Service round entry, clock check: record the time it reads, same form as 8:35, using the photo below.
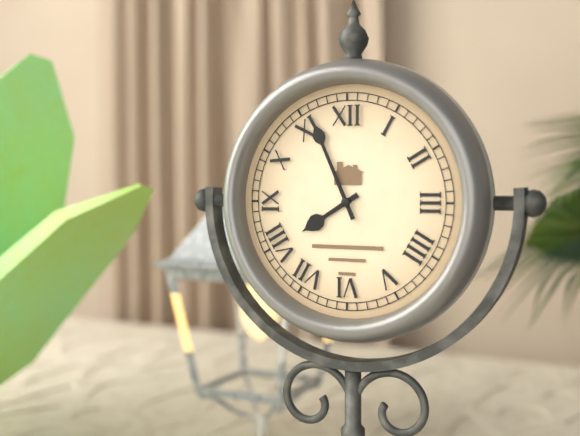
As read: 7:56
